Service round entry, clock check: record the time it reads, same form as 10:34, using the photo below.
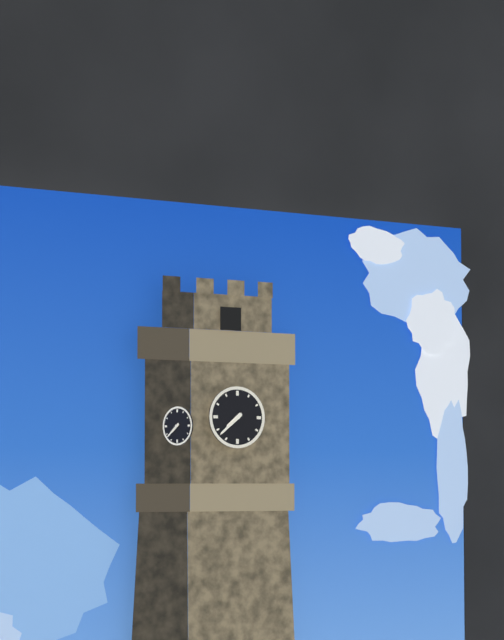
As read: 7:38
